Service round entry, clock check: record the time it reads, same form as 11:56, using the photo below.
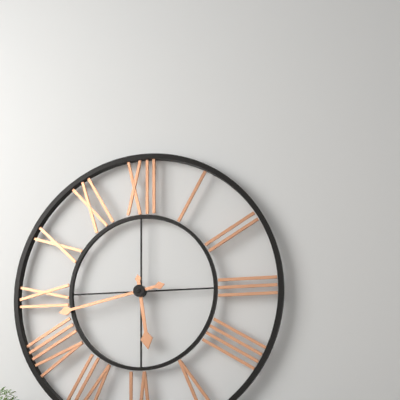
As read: 5:43
